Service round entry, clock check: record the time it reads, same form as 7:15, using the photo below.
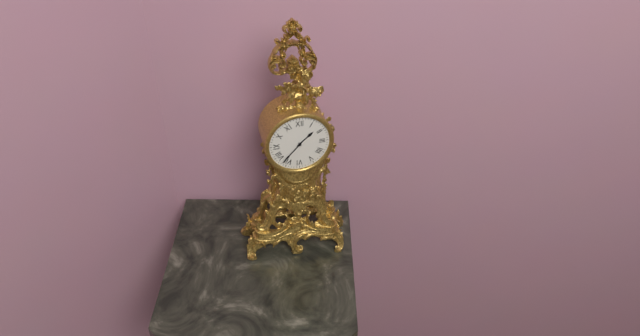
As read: 1:37
